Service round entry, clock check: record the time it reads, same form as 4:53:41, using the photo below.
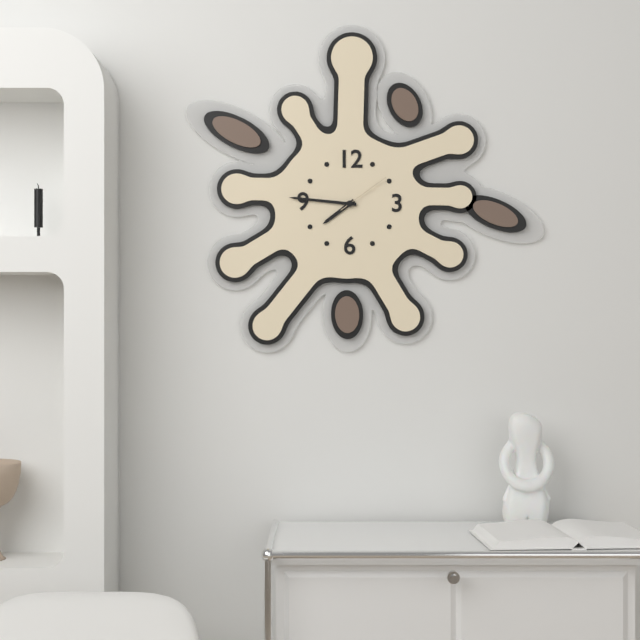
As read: 7:46:09
